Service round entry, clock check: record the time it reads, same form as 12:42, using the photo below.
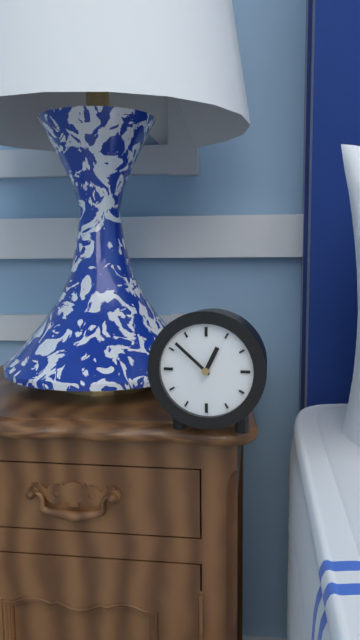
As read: 12:52
